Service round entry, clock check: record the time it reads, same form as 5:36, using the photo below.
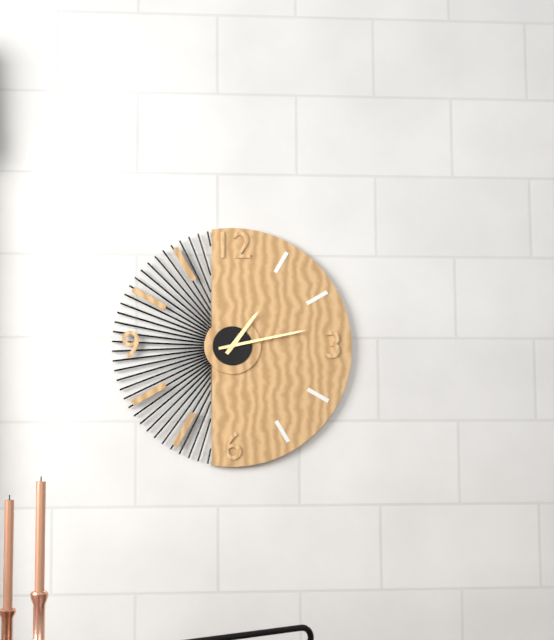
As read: 1:13
